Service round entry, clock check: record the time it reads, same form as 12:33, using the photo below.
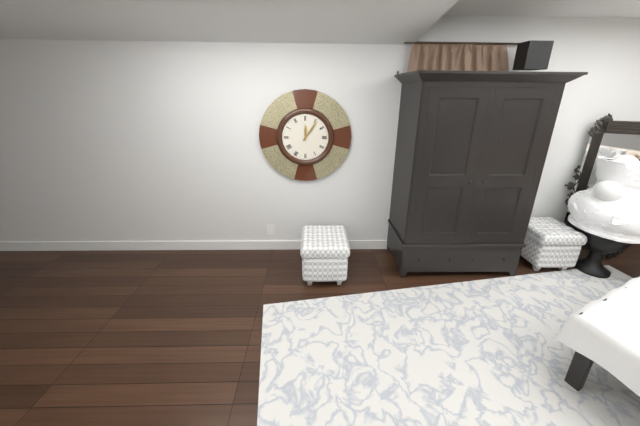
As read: 12:06
